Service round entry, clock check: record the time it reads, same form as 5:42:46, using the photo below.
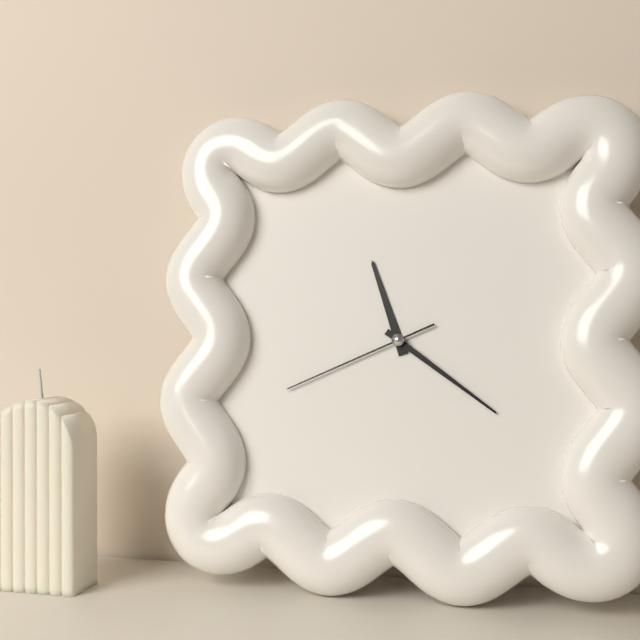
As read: 11:21:41
